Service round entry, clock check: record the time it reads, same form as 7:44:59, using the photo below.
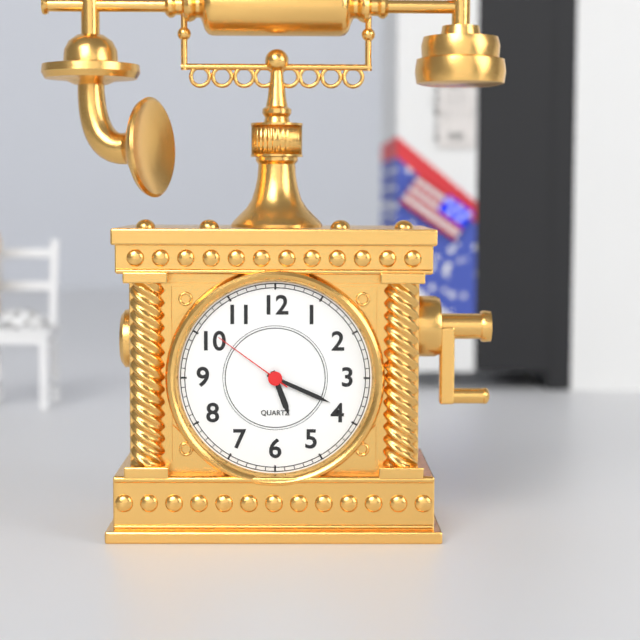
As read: 5:19:51
